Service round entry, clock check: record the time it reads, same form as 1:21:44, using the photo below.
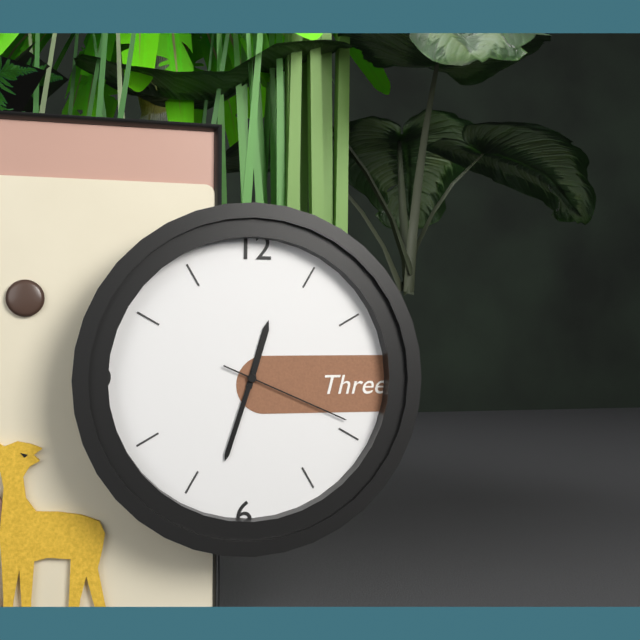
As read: 12:33:19
